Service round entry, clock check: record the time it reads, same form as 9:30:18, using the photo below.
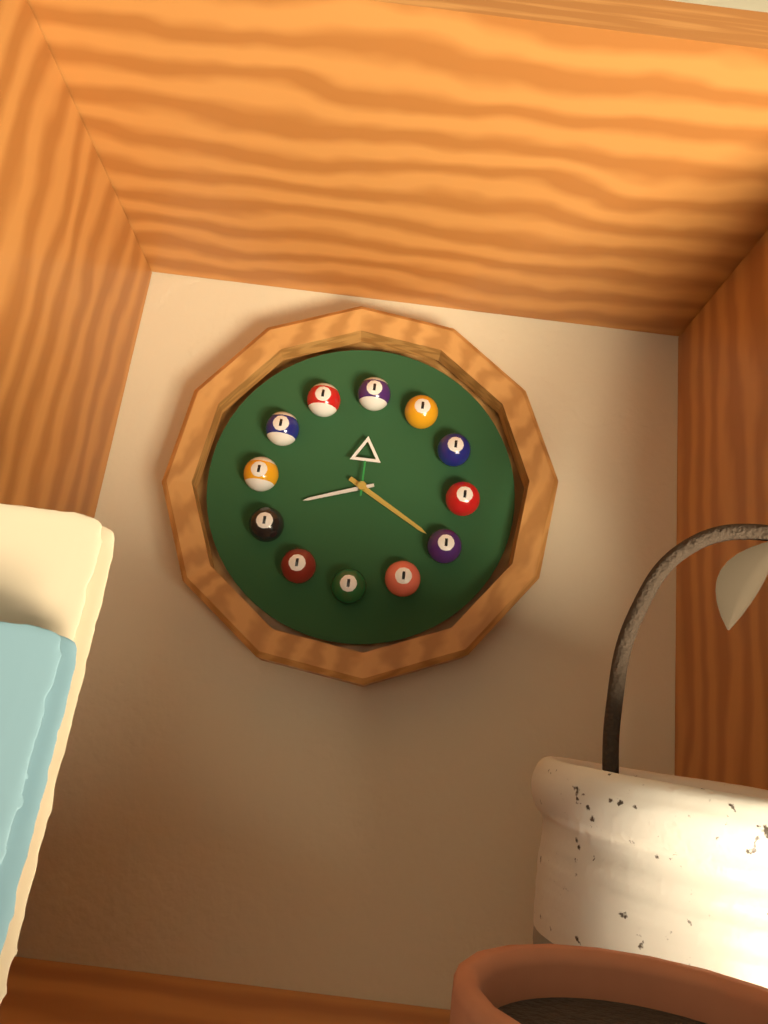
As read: 8:20:00
